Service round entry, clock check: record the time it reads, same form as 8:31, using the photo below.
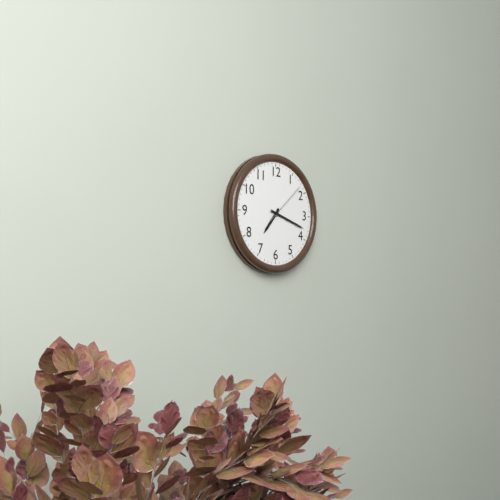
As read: 7:18
